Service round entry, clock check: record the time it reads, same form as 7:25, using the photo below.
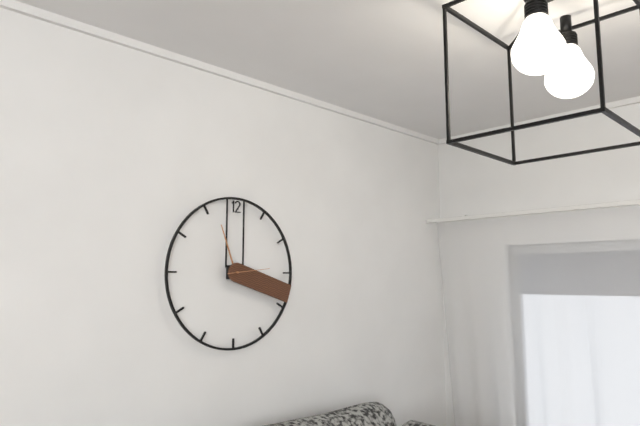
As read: 11:18
